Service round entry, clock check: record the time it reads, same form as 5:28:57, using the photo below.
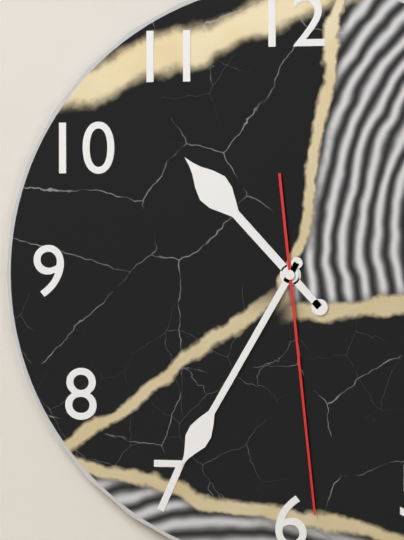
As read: 10:35:29
